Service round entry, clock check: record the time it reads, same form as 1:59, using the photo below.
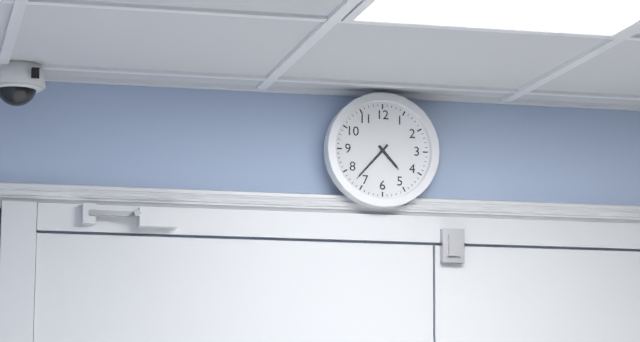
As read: 4:37
